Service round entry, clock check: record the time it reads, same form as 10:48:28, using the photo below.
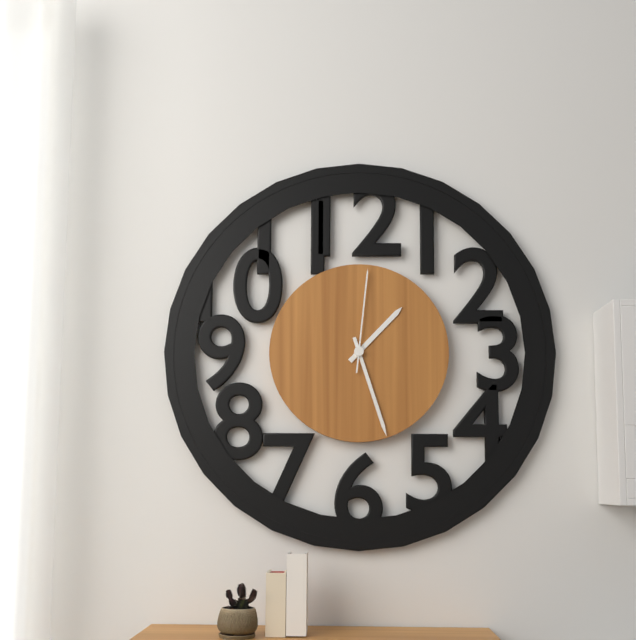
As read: 1:27:01
